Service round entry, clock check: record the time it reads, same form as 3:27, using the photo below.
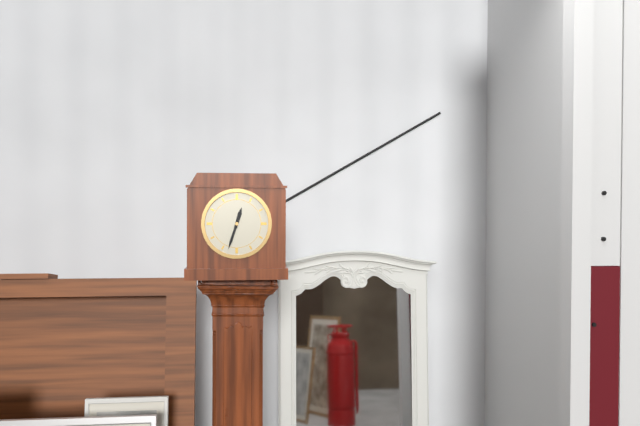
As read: 12:33
